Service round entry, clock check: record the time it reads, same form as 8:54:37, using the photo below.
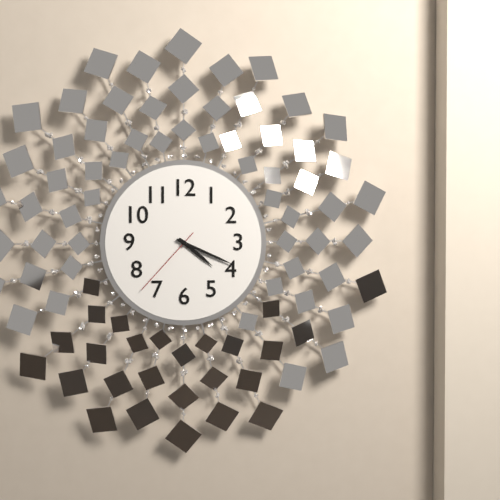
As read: 4:19:37
